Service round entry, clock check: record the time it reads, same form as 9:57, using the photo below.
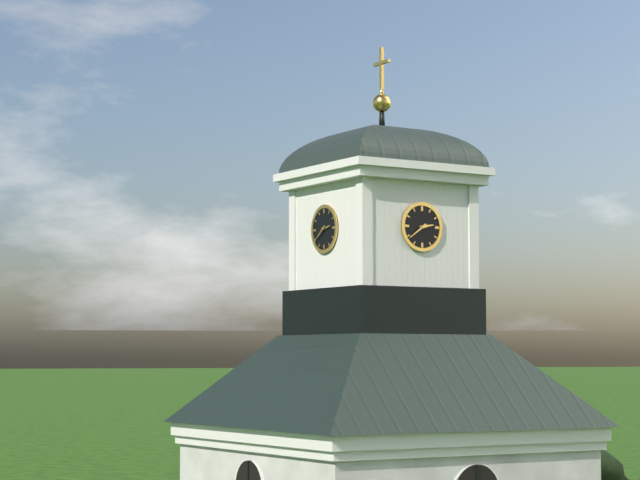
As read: 2:39
